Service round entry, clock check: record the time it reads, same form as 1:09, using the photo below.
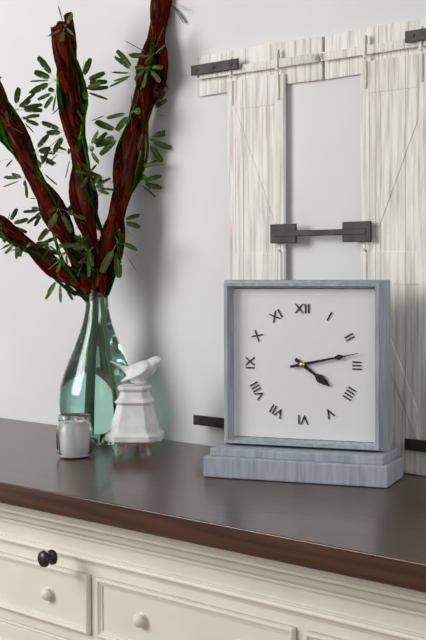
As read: 4:13
